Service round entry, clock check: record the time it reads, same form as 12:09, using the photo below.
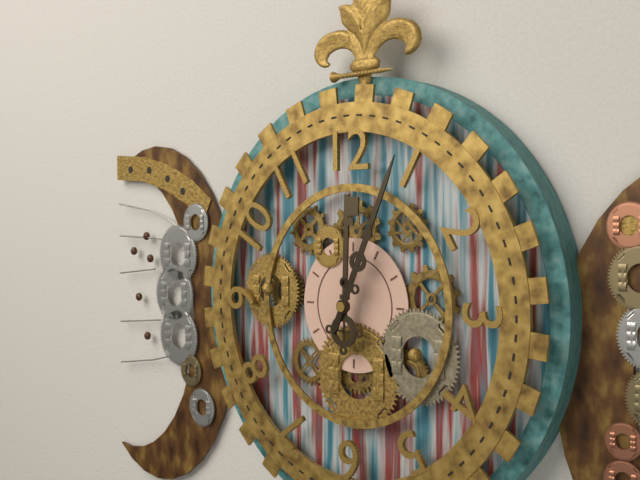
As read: 12:04
